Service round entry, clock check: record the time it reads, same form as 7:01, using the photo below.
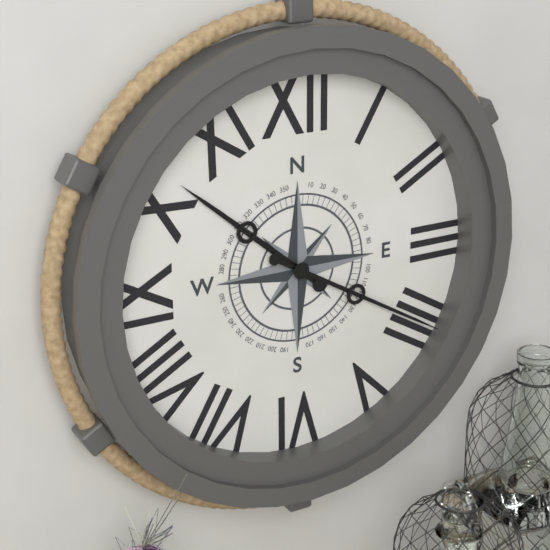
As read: 10:20
